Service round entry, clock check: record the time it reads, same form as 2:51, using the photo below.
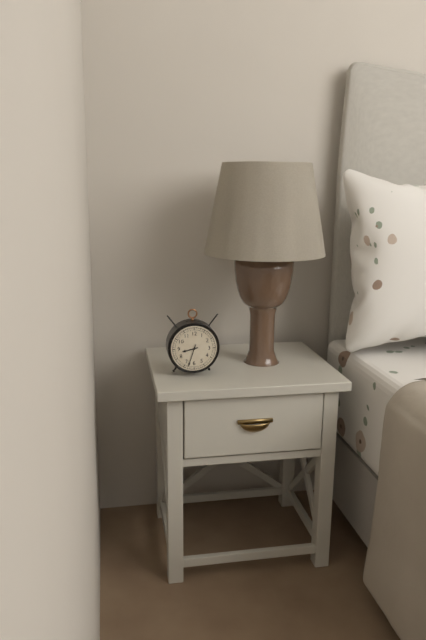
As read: 8:33
